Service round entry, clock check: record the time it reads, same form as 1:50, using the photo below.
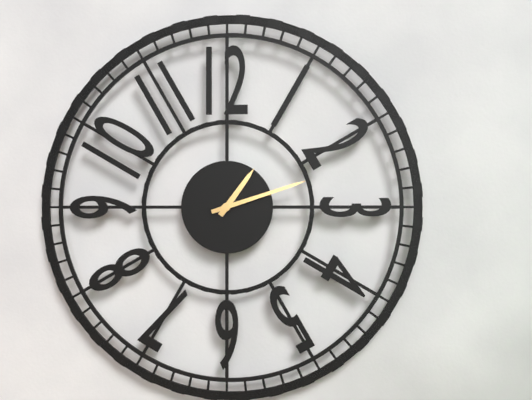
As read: 1:12
